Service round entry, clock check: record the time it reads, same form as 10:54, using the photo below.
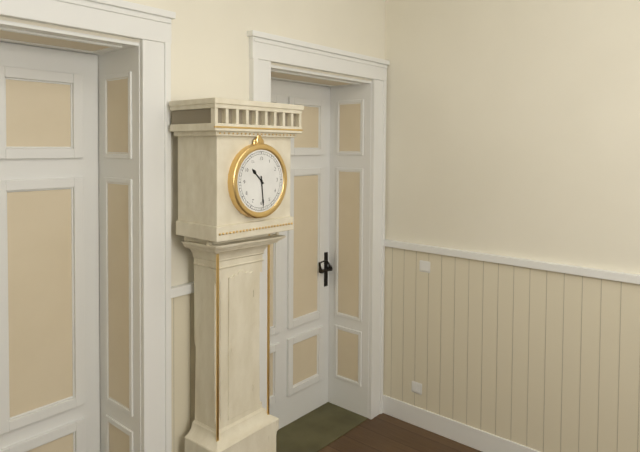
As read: 10:29
